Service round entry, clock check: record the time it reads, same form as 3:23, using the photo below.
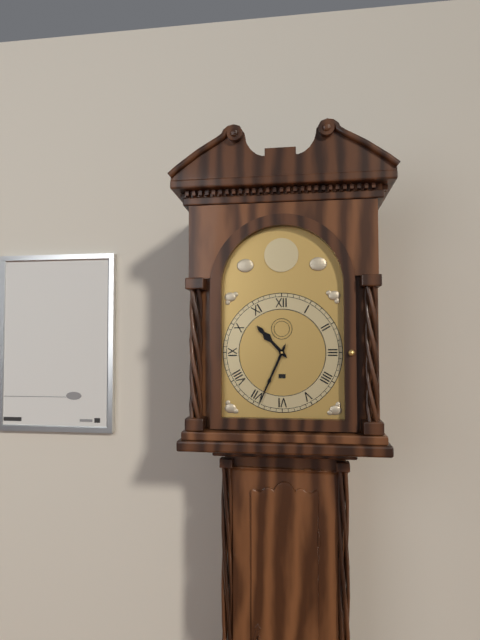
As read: 10:34
